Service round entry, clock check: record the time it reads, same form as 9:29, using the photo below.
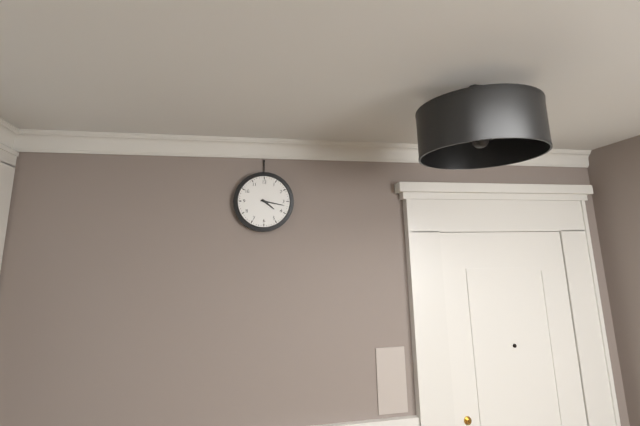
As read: 4:17
